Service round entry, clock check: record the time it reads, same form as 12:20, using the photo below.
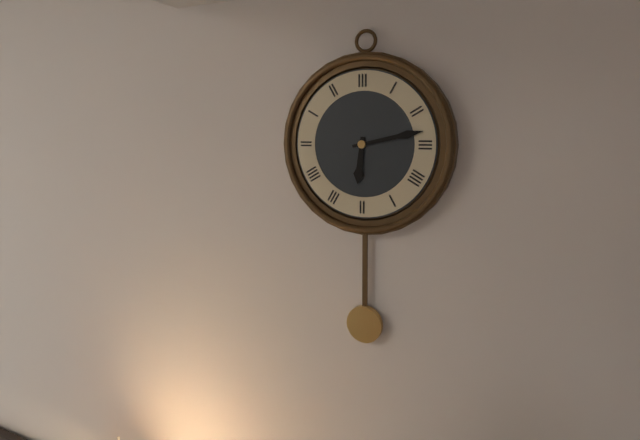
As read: 6:13
